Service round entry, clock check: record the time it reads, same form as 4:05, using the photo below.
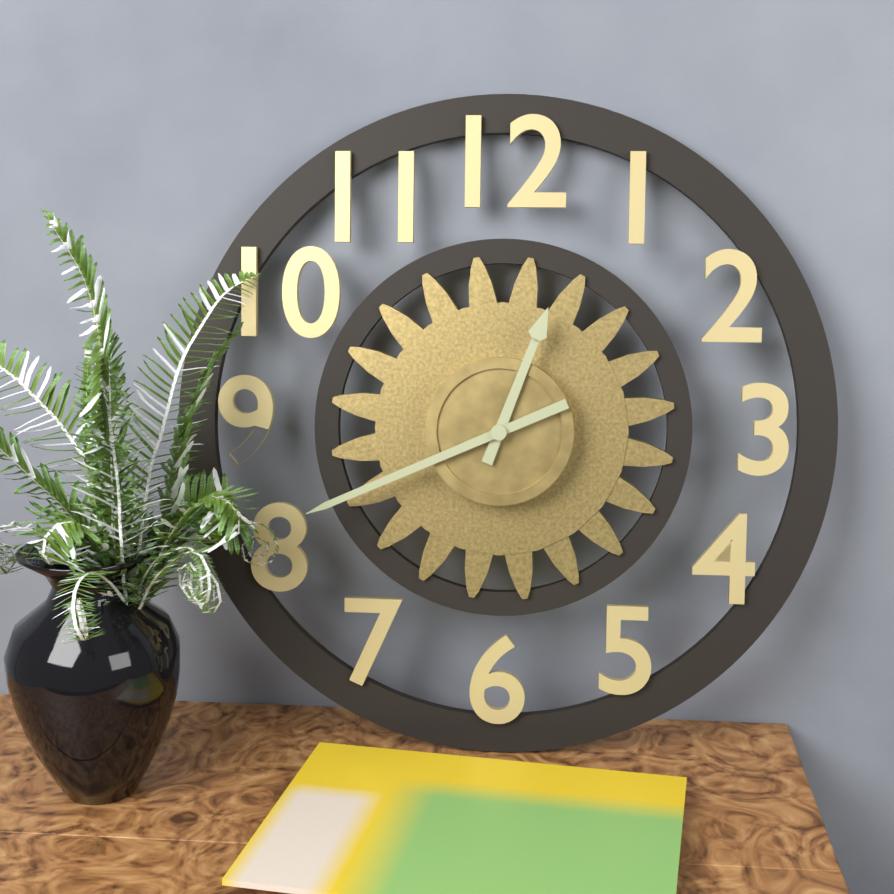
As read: 12:41
